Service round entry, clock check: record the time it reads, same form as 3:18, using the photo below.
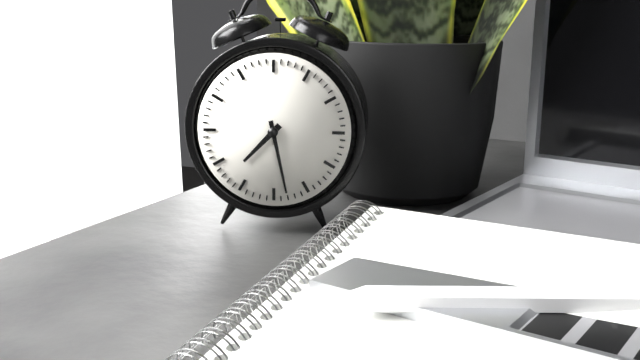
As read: 7:28
